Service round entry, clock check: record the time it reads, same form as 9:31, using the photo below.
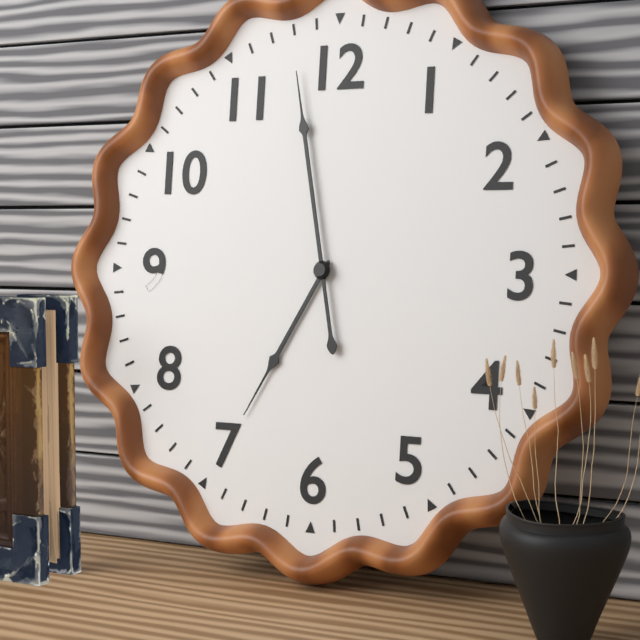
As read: 6:58
